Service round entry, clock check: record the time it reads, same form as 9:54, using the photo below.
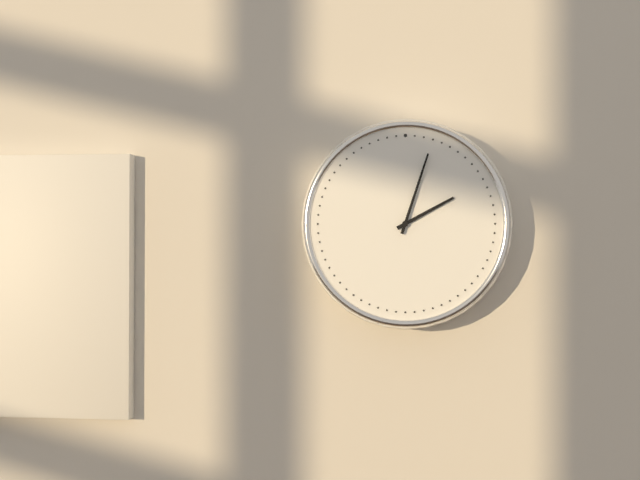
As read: 2:03
